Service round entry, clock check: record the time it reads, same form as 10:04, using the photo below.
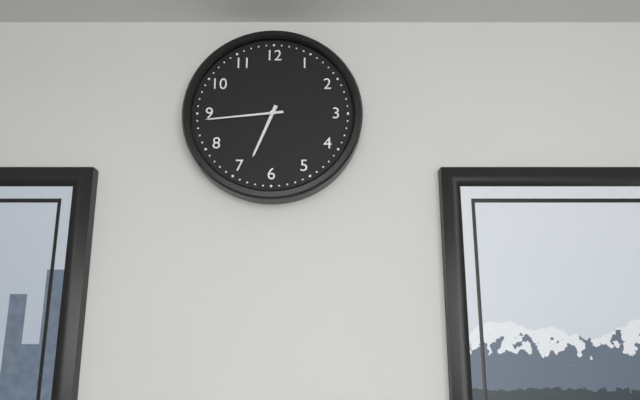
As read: 6:44
